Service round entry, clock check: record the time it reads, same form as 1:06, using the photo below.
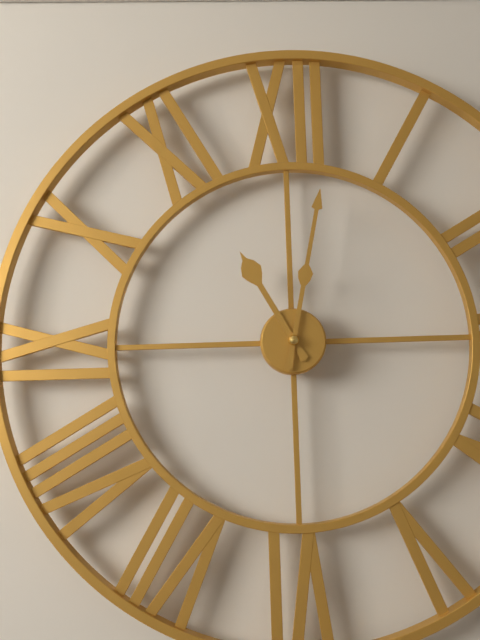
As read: 11:02
